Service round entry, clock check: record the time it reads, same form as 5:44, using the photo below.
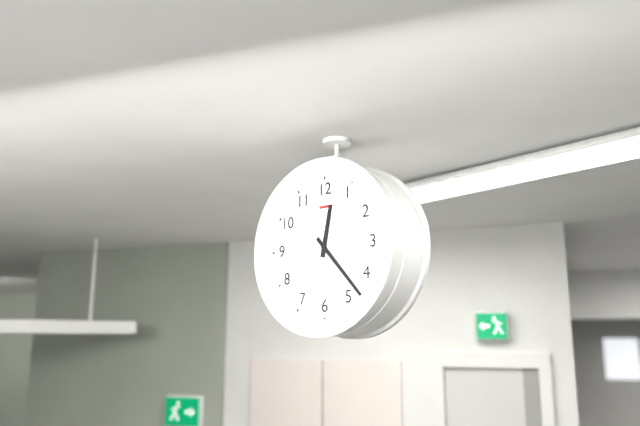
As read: 12:23
